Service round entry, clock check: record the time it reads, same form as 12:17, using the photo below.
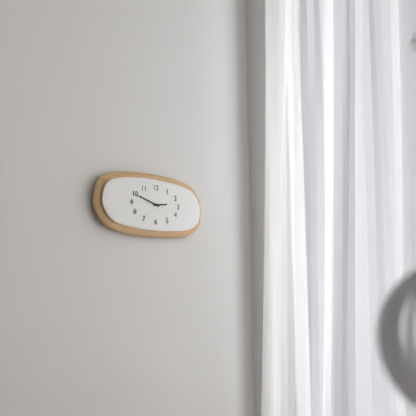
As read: 2:48
